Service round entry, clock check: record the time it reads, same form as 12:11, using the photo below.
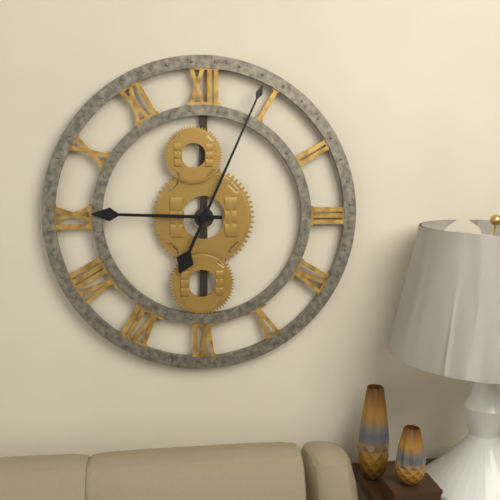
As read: 9:04
